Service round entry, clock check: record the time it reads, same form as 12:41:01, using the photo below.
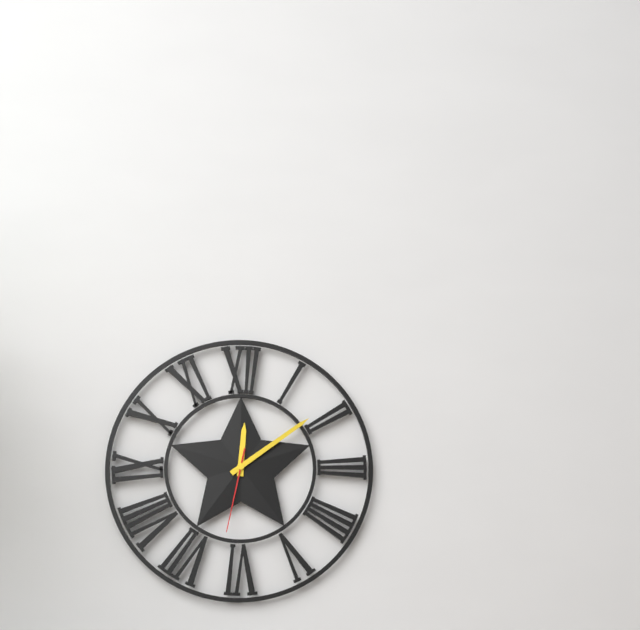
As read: 12:09:32
